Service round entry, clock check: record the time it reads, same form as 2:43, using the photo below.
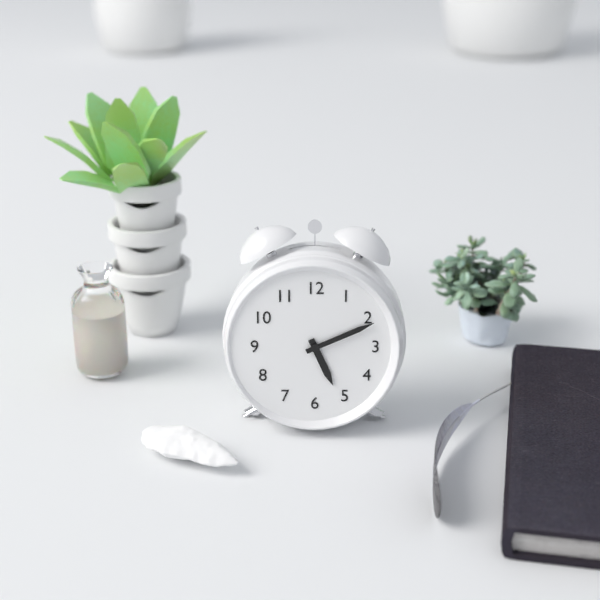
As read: 5:11
